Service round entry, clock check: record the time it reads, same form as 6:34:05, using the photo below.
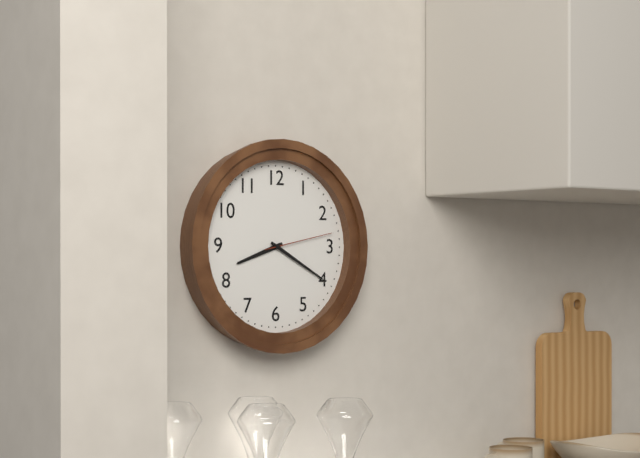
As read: 8:20:13
